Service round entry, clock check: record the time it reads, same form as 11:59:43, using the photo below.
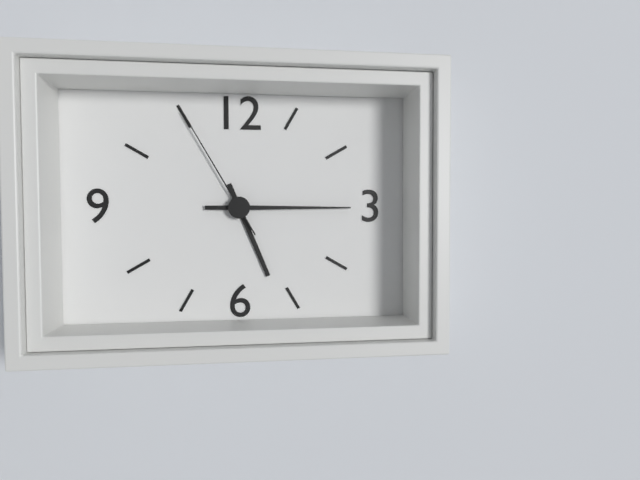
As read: 5:15:55
